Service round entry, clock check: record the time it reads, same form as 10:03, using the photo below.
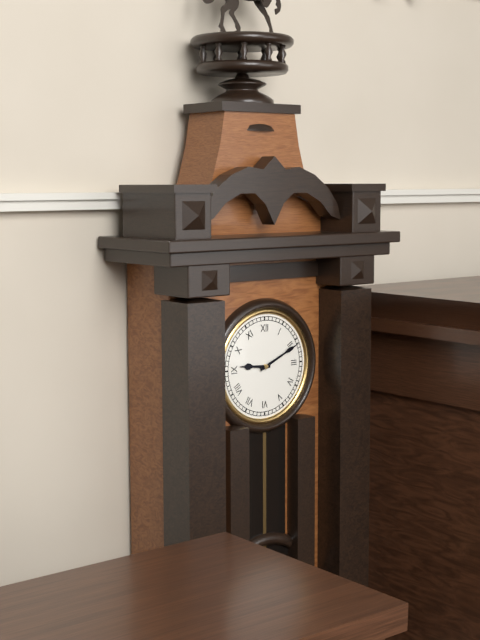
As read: 9:11
